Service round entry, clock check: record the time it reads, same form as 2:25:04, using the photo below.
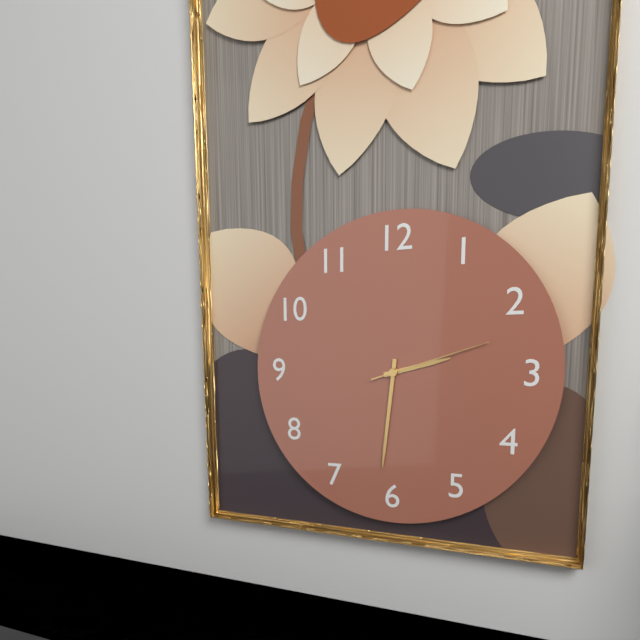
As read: 2:31:12
